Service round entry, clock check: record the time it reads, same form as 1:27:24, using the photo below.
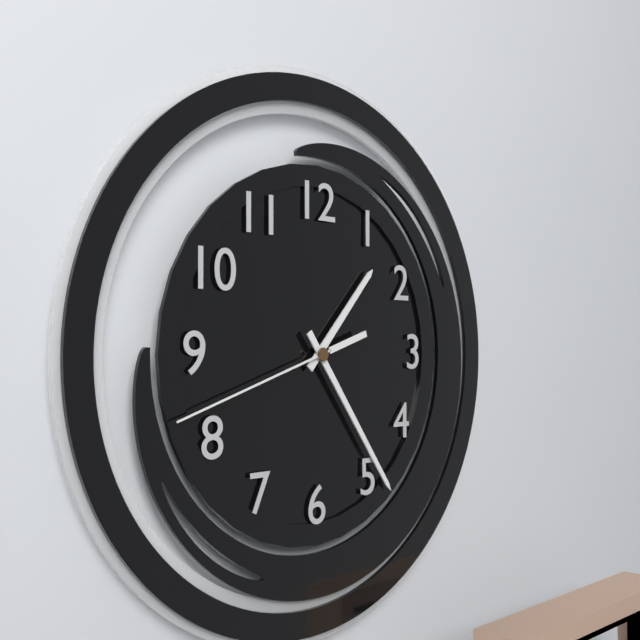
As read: 1:24:42
